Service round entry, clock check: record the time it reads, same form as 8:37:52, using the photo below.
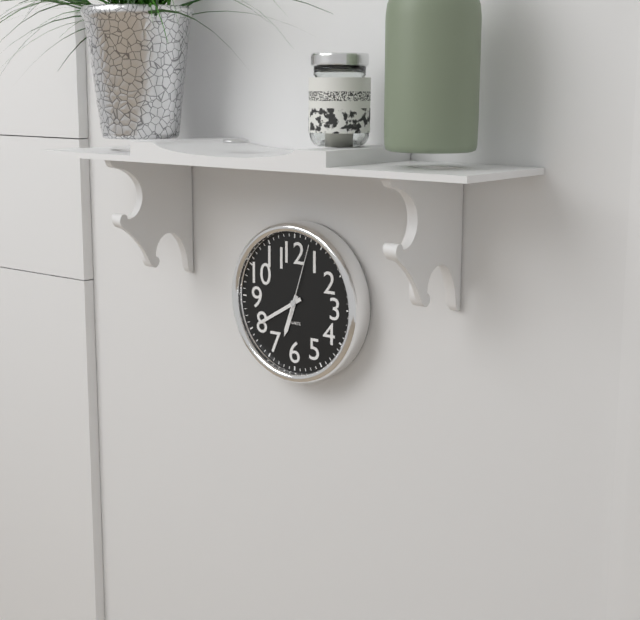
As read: 6:40:03
